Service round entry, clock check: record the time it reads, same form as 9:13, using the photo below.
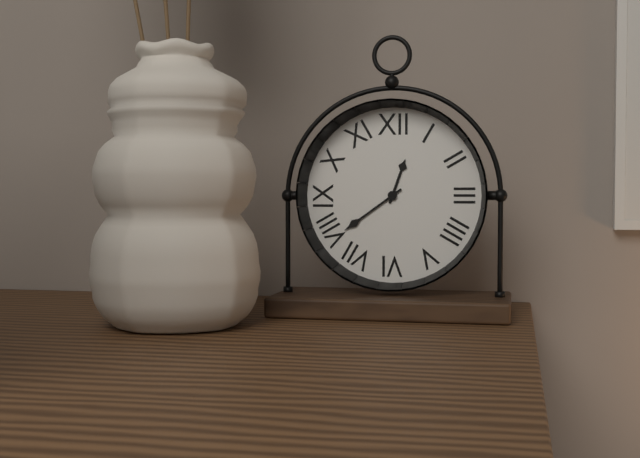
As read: 12:39
